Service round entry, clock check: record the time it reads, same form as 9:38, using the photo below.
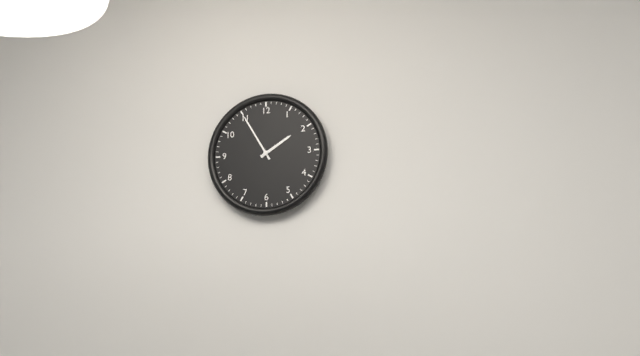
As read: 1:55
